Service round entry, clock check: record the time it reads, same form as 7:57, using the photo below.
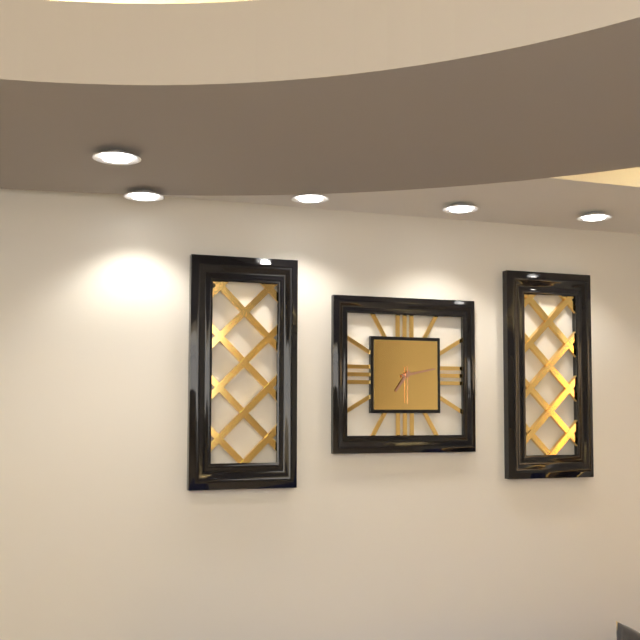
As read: 7:13
